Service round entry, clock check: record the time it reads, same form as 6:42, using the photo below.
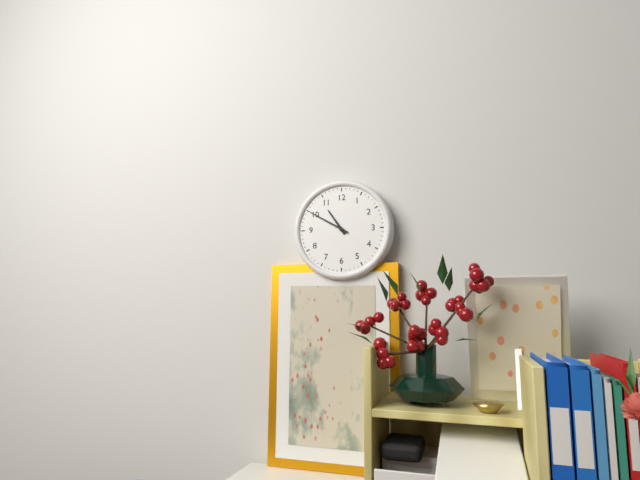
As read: 10:50
